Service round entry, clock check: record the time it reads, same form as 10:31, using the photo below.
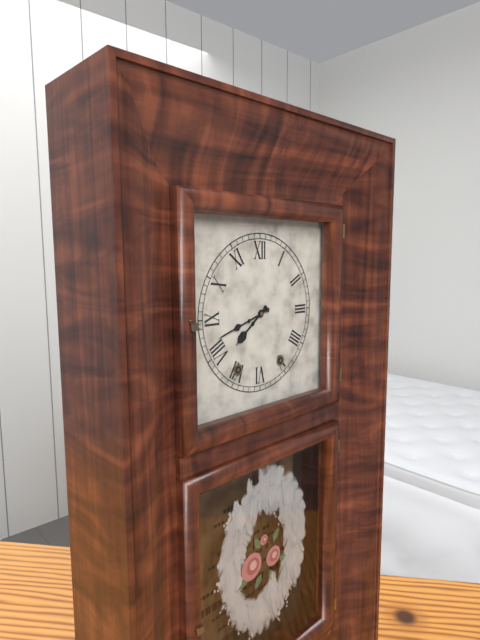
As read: 7:42
